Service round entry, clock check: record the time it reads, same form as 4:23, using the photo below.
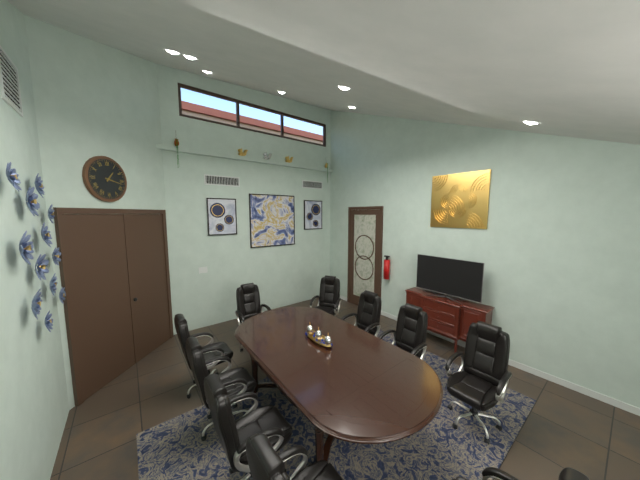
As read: 1:17
